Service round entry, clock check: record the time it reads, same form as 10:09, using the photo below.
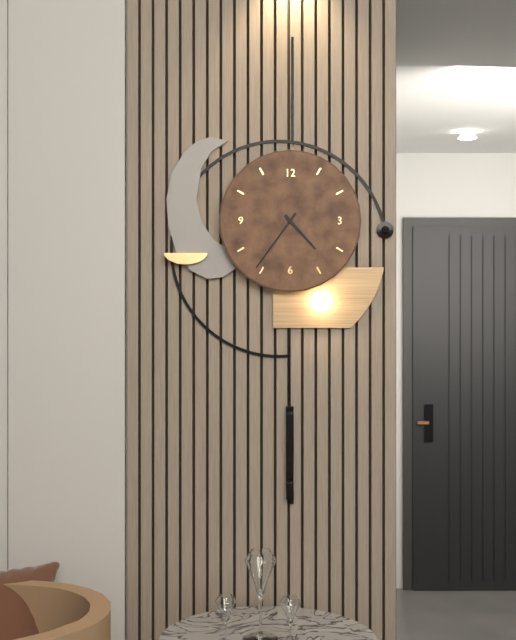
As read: 4:36
